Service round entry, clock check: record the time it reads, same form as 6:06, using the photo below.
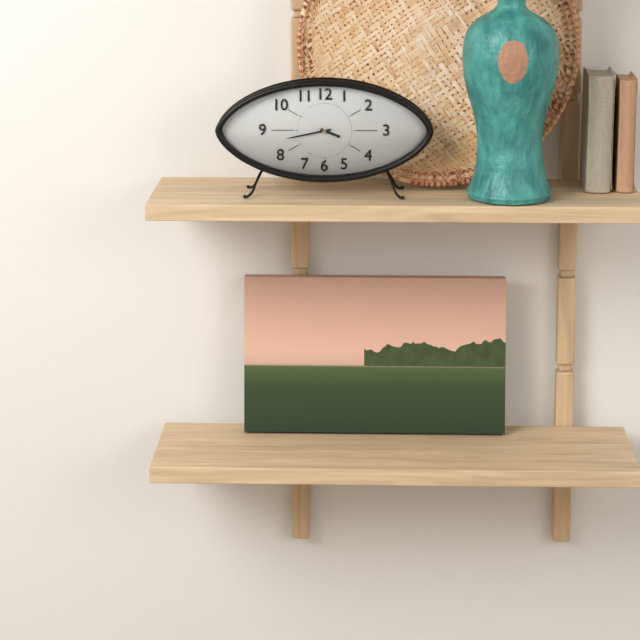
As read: 3:43
